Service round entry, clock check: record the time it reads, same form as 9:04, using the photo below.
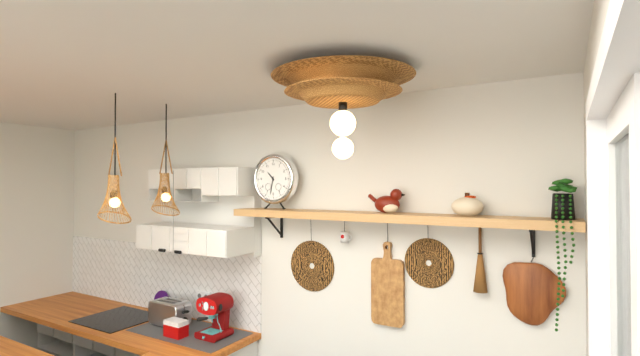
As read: 10:32
